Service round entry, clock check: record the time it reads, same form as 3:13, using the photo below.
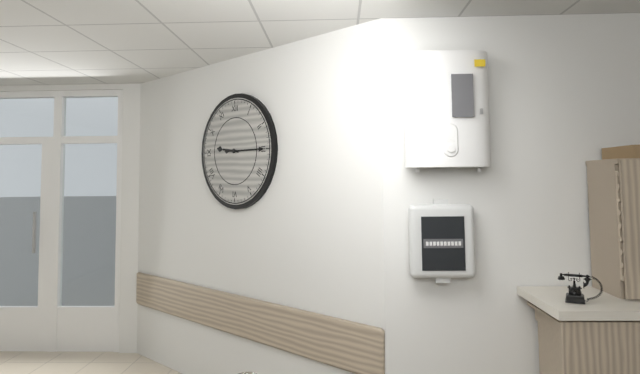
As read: 9:15
